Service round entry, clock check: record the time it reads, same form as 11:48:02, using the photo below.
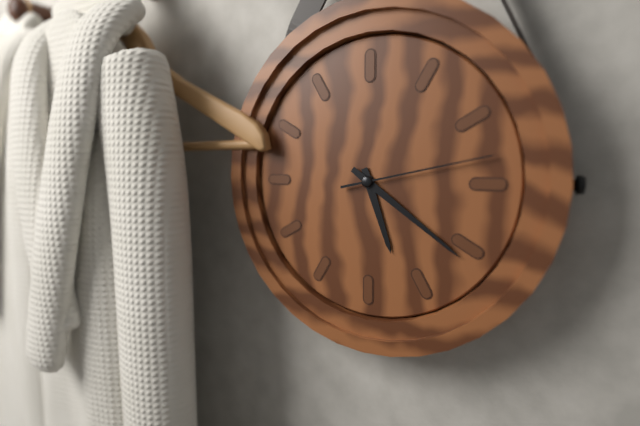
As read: 5:21:13
